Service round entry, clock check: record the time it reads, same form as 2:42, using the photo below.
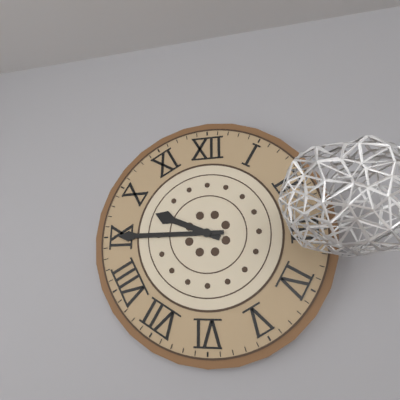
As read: 9:45
